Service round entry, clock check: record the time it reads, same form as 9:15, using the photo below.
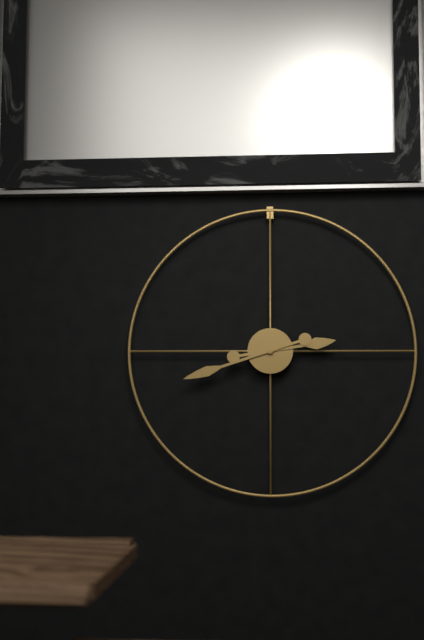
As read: 2:42
